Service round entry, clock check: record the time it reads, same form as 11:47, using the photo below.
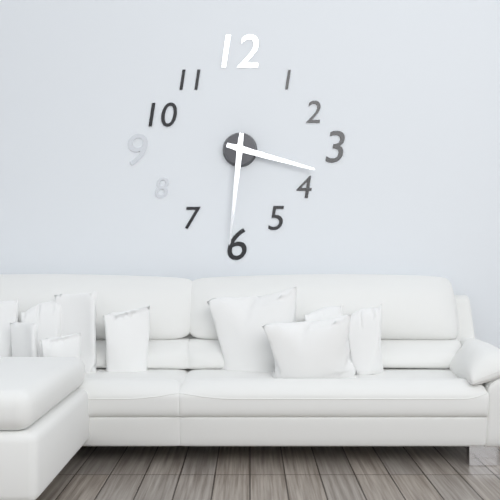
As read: 3:31
